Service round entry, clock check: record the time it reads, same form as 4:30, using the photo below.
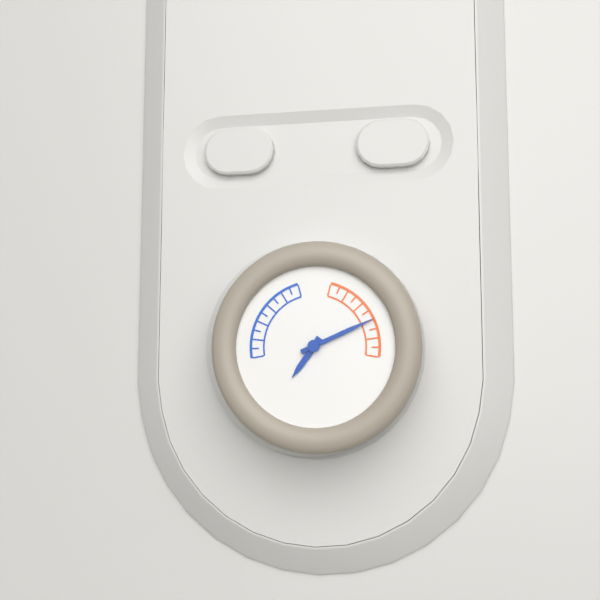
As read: 7:11
